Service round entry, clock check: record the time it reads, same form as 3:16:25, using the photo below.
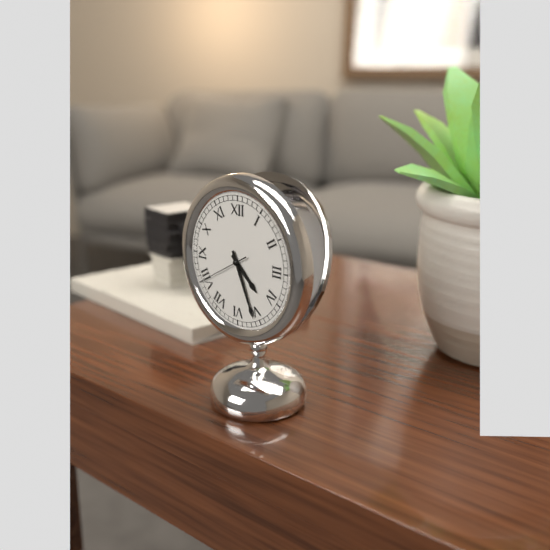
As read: 4:26:40
